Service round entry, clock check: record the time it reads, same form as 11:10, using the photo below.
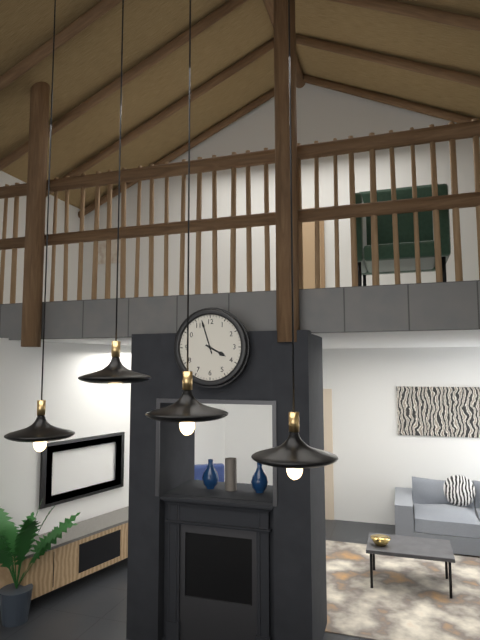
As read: 3:57
